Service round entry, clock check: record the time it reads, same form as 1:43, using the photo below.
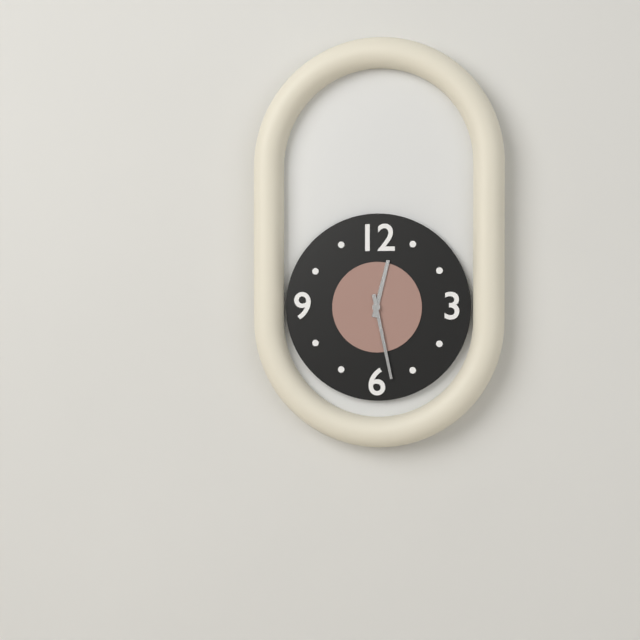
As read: 12:28
